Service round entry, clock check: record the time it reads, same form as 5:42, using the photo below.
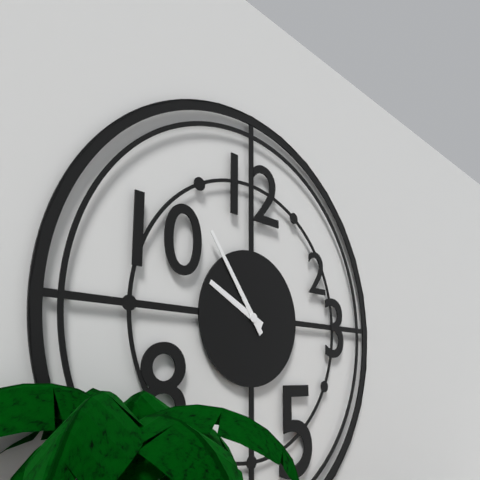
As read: 9:54
